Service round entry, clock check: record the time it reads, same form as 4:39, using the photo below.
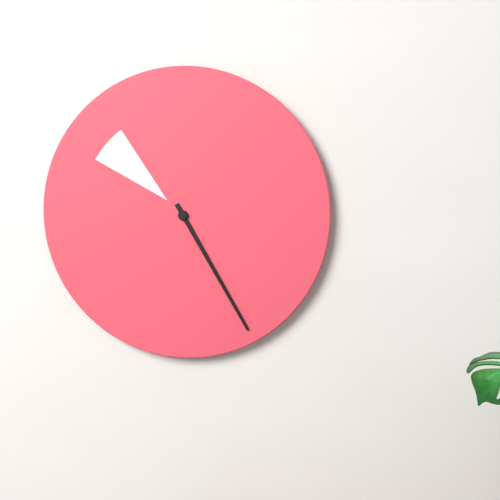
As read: 10:25
